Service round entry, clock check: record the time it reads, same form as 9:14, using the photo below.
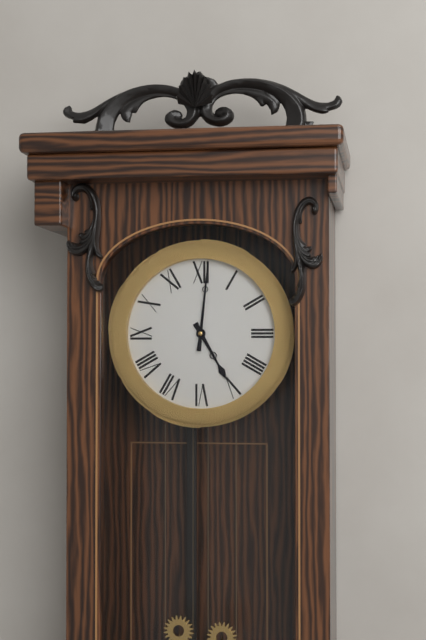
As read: 5:01
